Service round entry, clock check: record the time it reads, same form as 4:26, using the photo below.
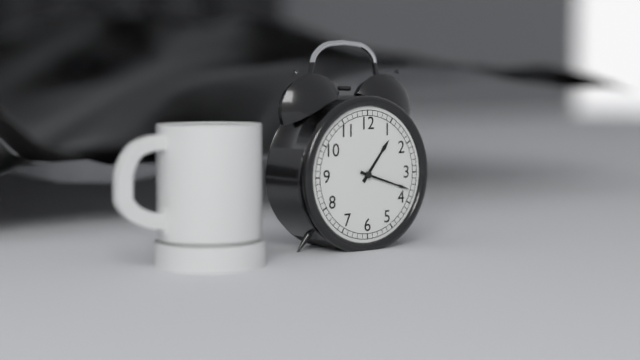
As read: 1:18
